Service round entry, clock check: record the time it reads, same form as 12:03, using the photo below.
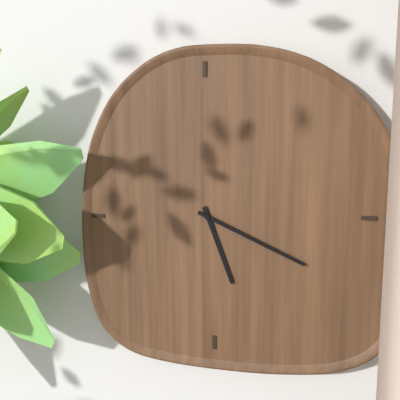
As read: 5:19
